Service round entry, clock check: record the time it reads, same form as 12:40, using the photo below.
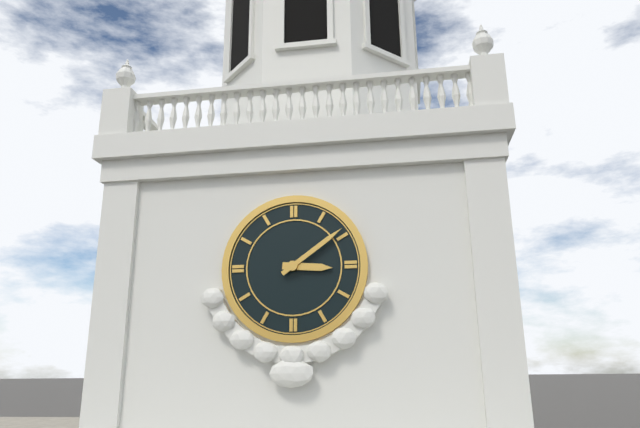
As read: 3:09
